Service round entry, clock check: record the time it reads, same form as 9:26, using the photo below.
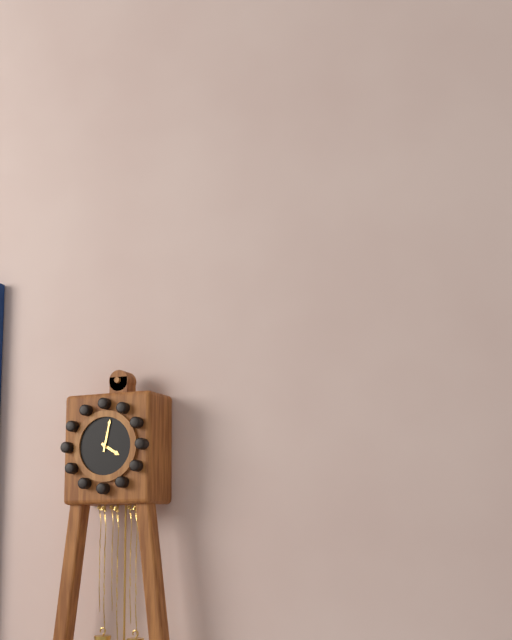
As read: 4:02
